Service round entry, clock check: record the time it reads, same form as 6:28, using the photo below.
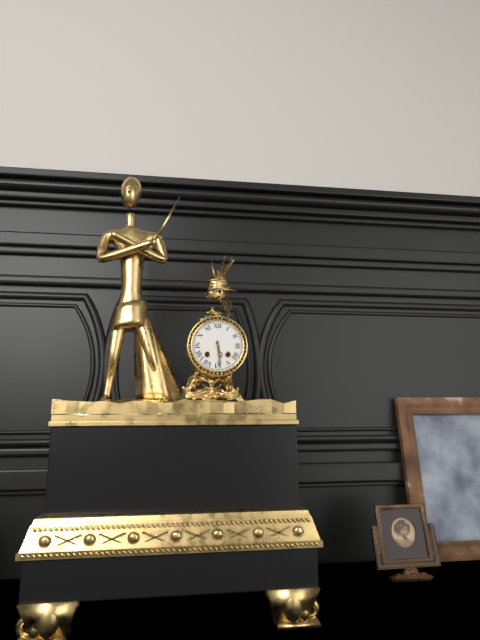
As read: 5:29
